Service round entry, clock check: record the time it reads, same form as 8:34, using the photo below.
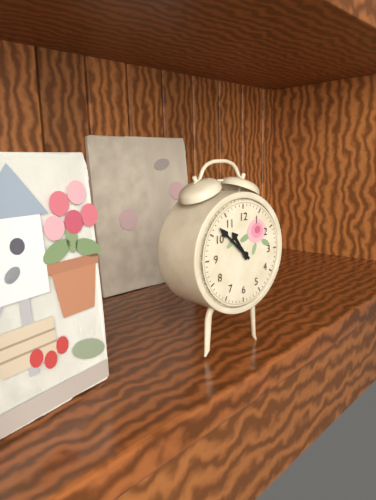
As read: 10:52
